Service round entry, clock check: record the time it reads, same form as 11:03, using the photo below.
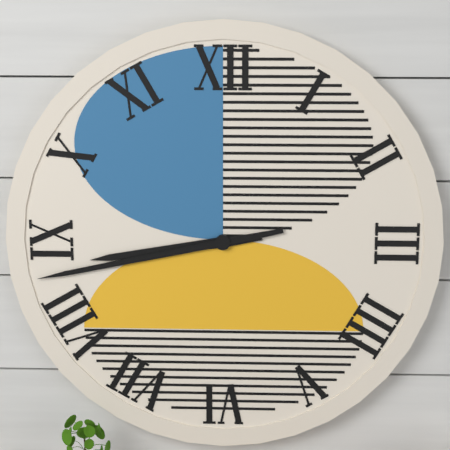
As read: 8:43
